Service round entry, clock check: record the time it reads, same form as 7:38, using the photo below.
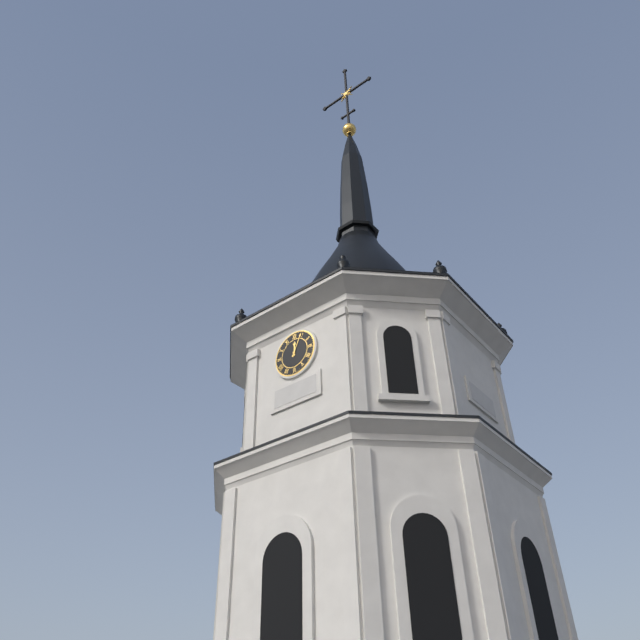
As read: 12:04
